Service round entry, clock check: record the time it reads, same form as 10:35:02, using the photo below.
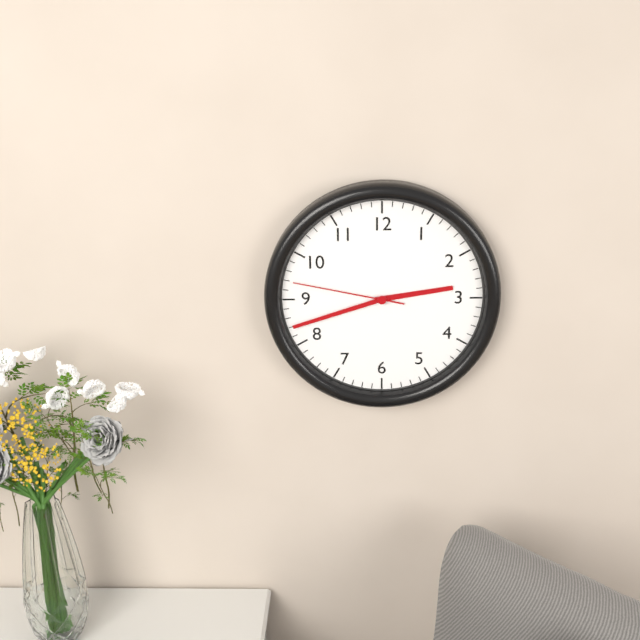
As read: 2:42:47
